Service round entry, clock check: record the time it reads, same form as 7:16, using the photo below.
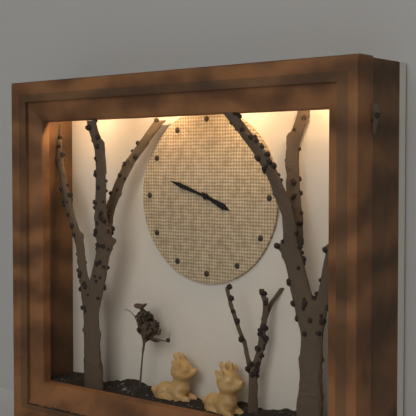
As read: 3:48
